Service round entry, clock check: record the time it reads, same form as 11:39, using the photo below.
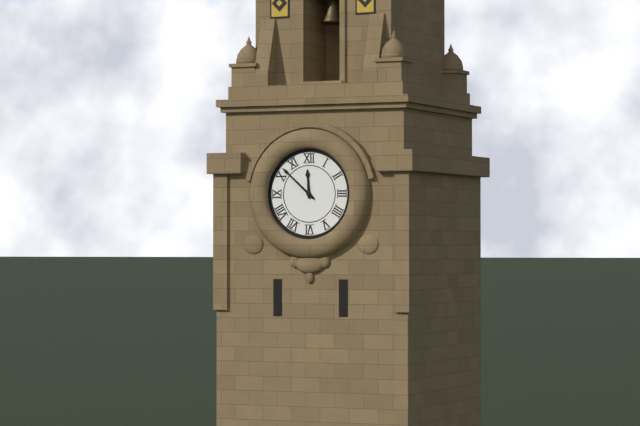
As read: 11:52
